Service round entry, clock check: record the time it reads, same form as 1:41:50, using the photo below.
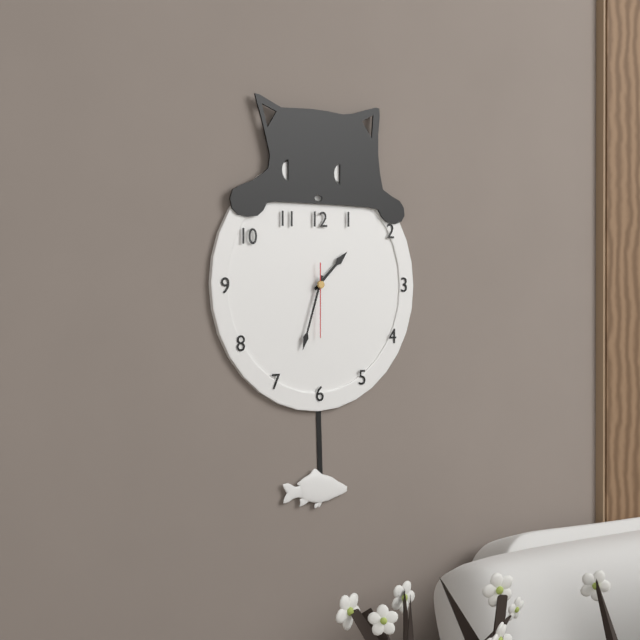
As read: 1:33:30
